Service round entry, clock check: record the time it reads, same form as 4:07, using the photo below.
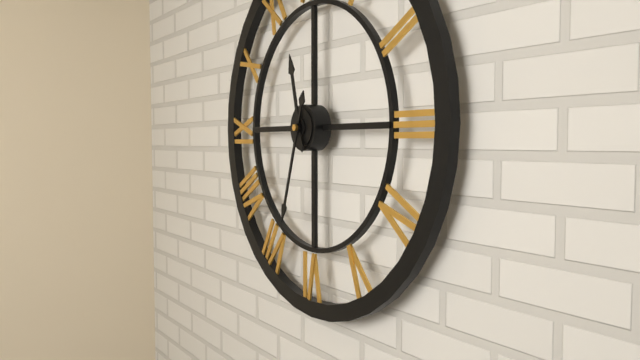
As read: 11:33
